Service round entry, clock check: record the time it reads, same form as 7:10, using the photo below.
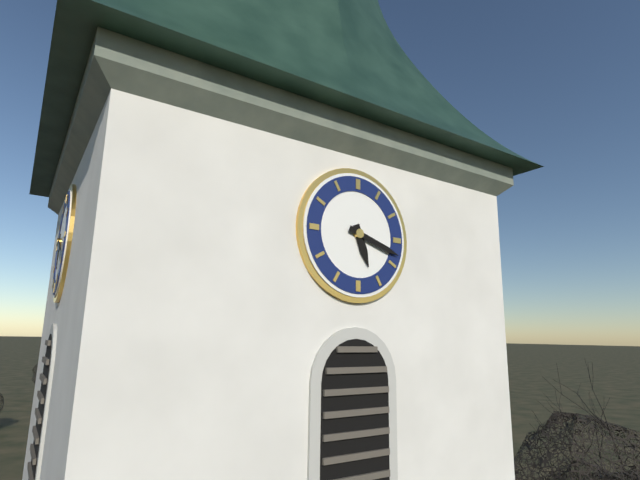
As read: 5:18
